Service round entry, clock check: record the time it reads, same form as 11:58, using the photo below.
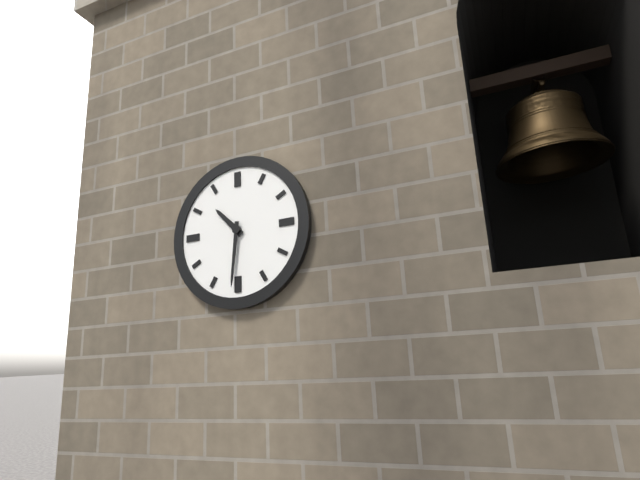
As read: 10:31
